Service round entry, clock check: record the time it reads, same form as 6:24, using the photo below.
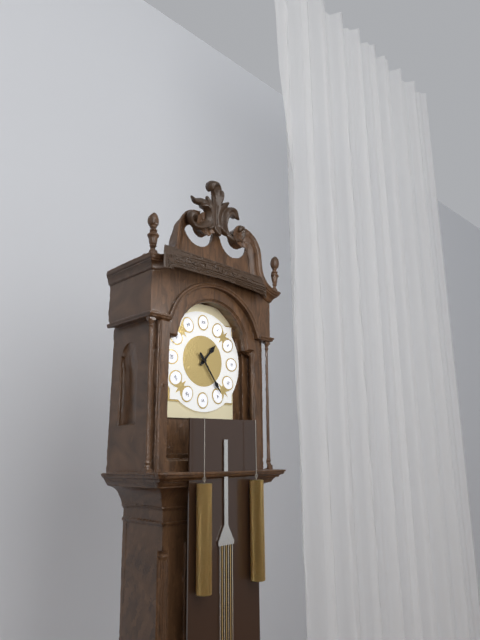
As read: 1:24
